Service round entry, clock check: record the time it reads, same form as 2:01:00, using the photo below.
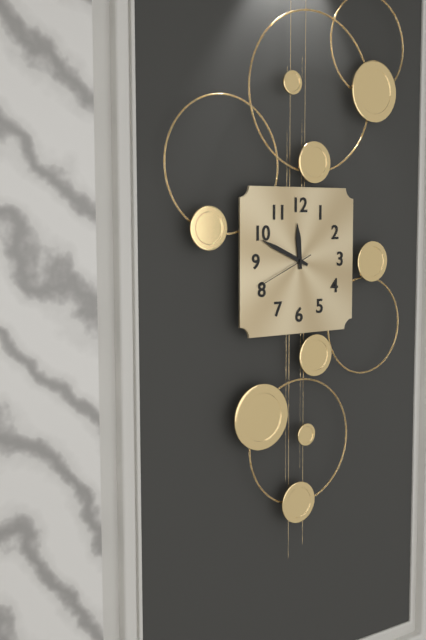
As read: 11:49:41
